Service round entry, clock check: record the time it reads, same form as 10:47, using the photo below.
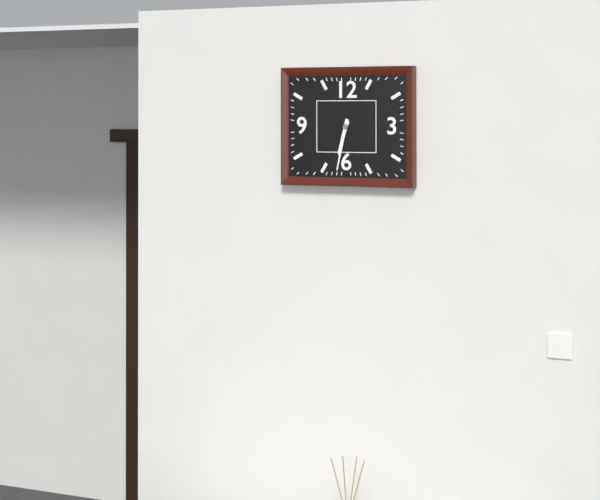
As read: 6:32
